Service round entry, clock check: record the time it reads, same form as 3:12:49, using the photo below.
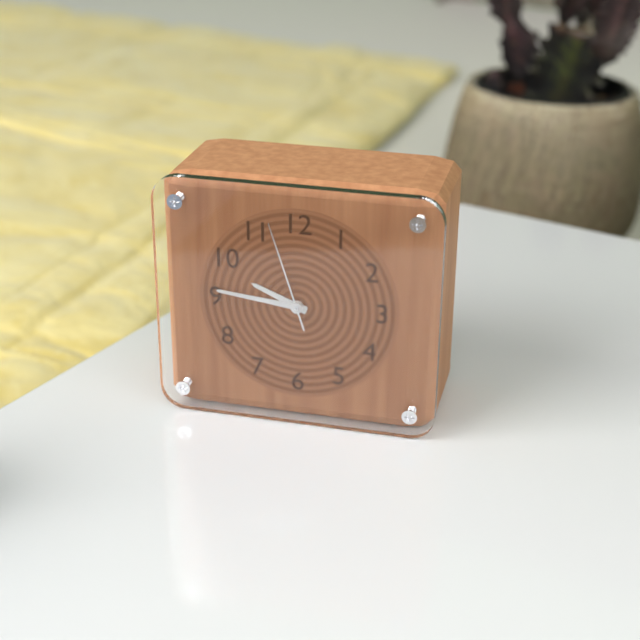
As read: 9:46:57
